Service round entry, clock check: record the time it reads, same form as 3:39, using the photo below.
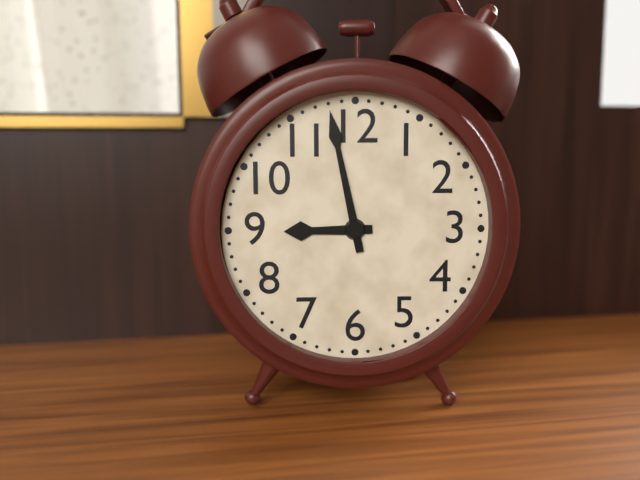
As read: 8:58
